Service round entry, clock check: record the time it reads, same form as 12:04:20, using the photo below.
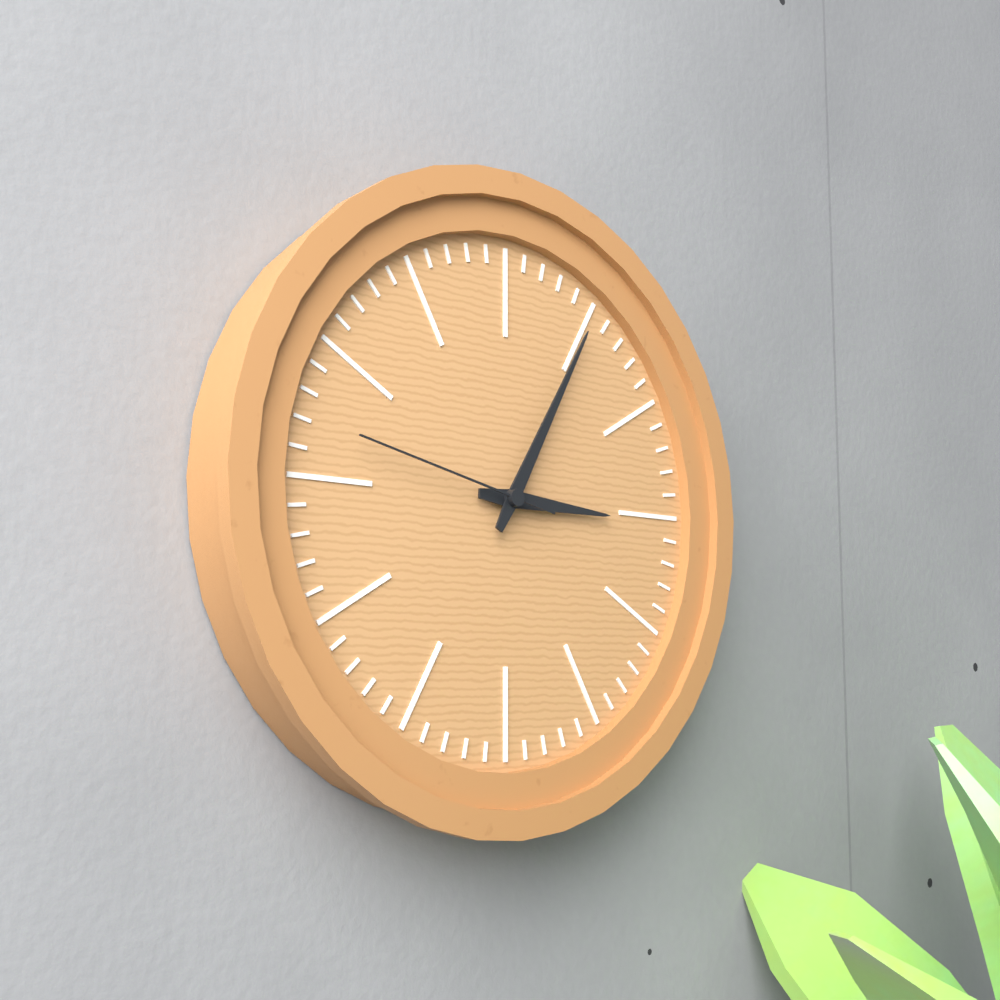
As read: 3:05:47
